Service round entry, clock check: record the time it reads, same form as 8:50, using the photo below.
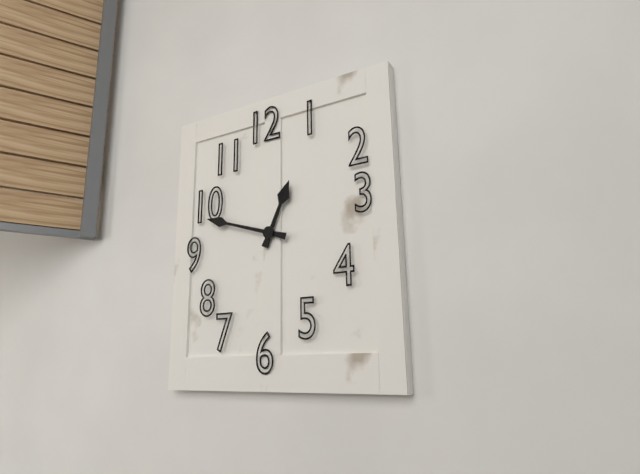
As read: 12:48
